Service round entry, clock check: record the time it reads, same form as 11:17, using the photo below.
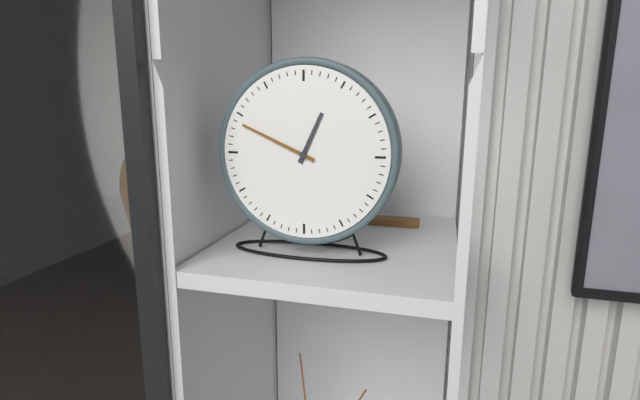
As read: 12:49
